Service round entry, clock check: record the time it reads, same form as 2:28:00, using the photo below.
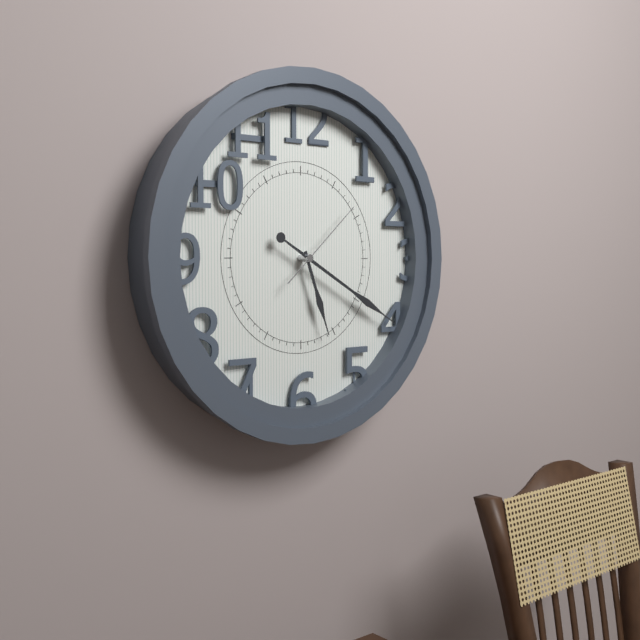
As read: 5:20:08
